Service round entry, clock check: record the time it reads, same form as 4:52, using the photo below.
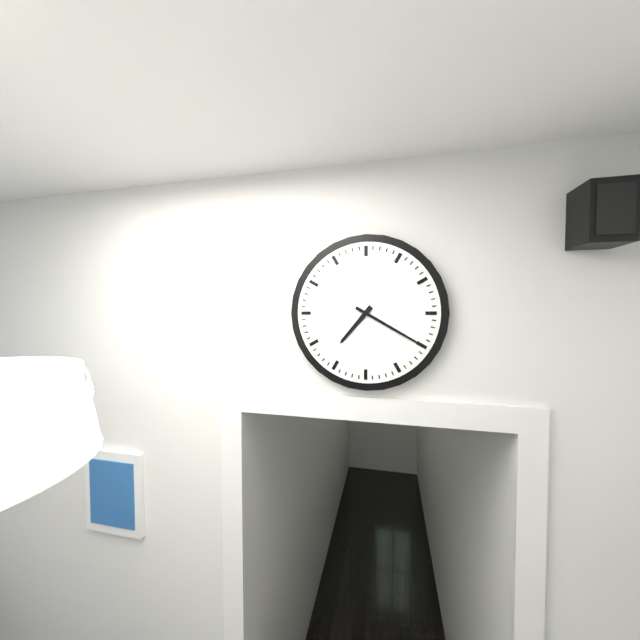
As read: 7:20
